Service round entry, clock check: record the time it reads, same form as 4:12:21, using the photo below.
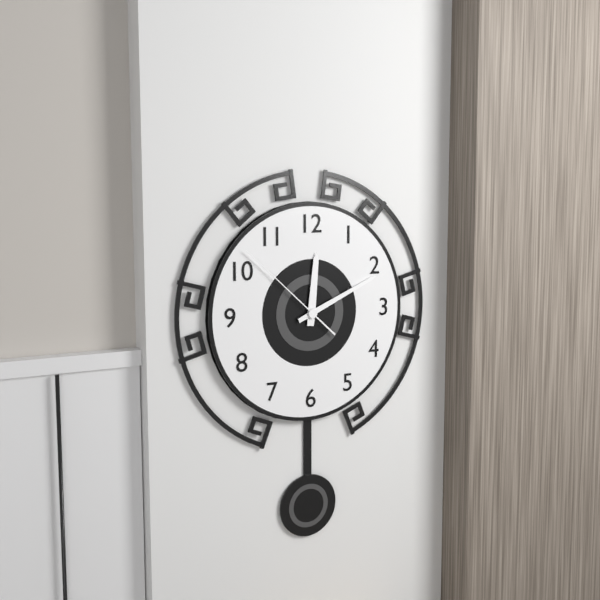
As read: 12:11:52
